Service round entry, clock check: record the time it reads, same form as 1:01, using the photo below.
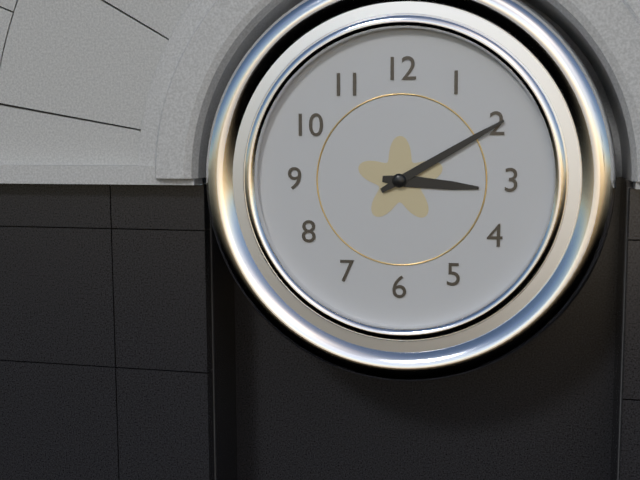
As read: 3:10
